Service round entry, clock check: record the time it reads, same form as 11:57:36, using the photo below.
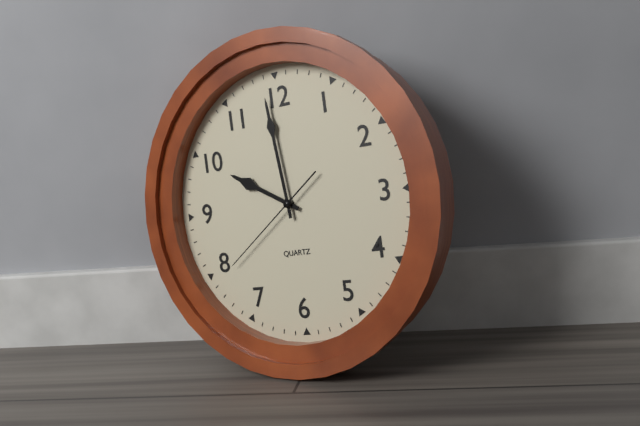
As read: 9:59:39
